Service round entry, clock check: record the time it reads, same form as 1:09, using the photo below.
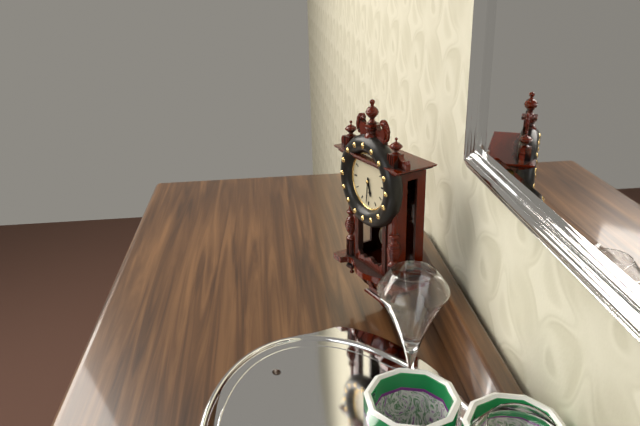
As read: 5:31
